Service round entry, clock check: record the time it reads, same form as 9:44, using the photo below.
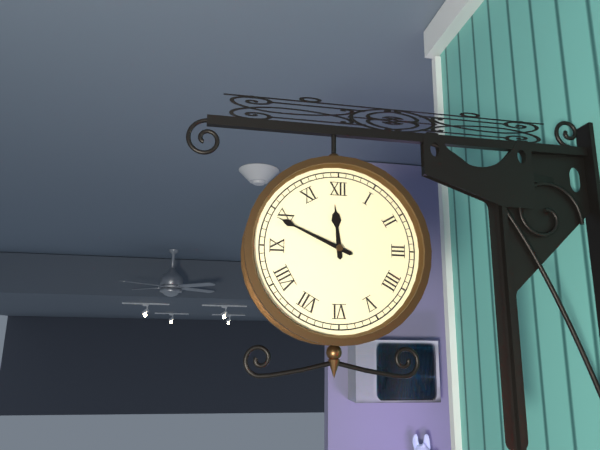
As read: 11:49
